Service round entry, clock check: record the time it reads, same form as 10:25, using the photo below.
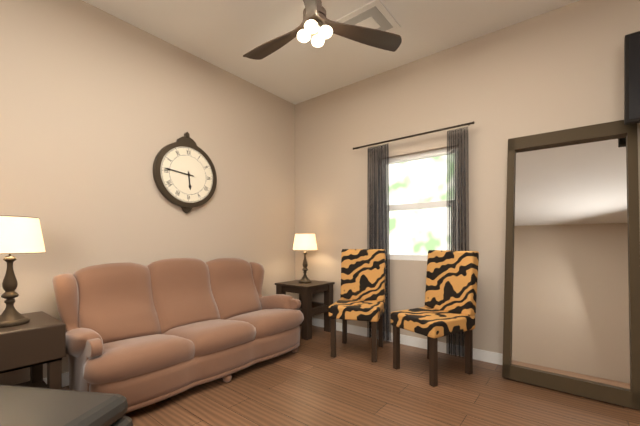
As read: 5:46
